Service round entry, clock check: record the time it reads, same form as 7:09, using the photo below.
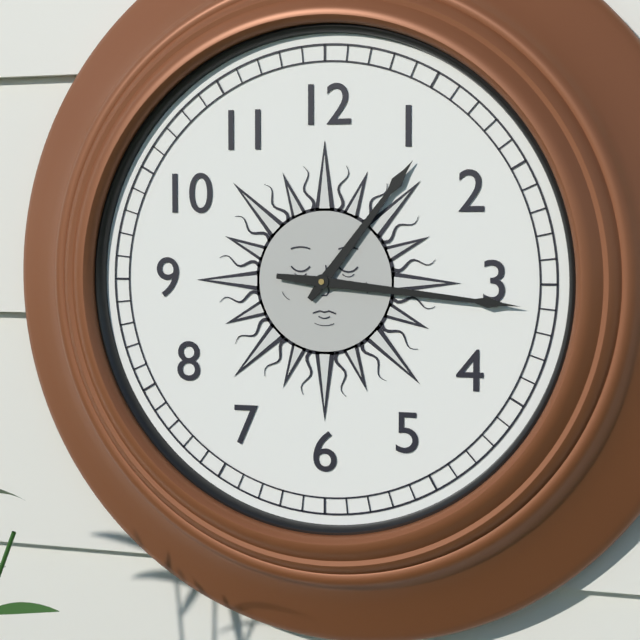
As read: 1:16
